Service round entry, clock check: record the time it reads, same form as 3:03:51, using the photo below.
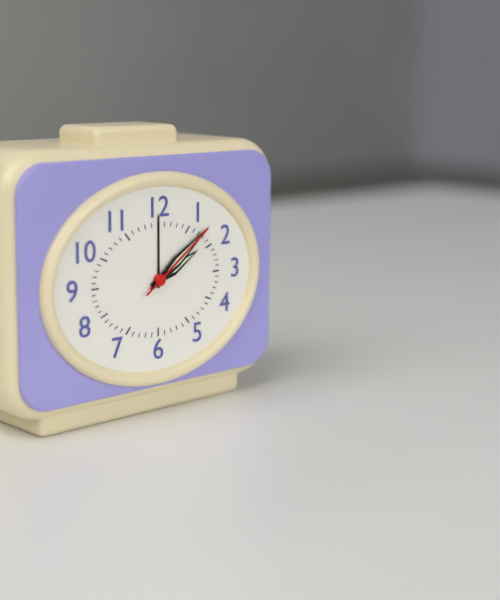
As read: 2:09:09
